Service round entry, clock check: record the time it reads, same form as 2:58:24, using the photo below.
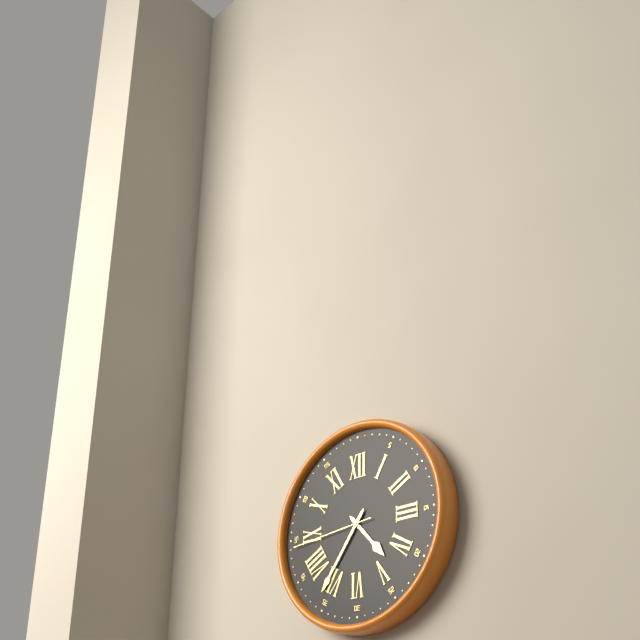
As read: 4:36:44
